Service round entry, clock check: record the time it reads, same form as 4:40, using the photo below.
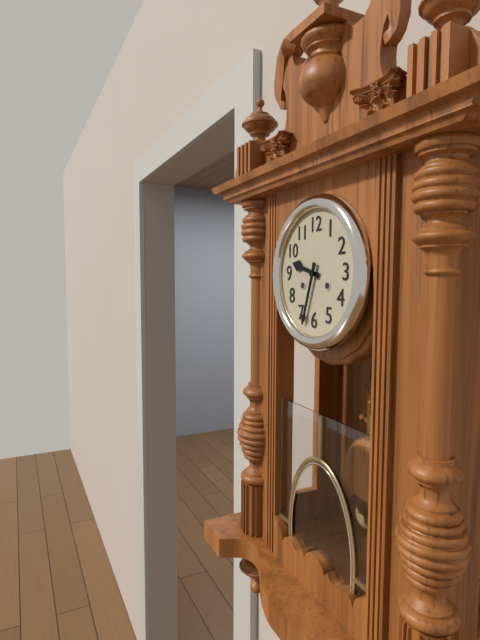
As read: 9:33
